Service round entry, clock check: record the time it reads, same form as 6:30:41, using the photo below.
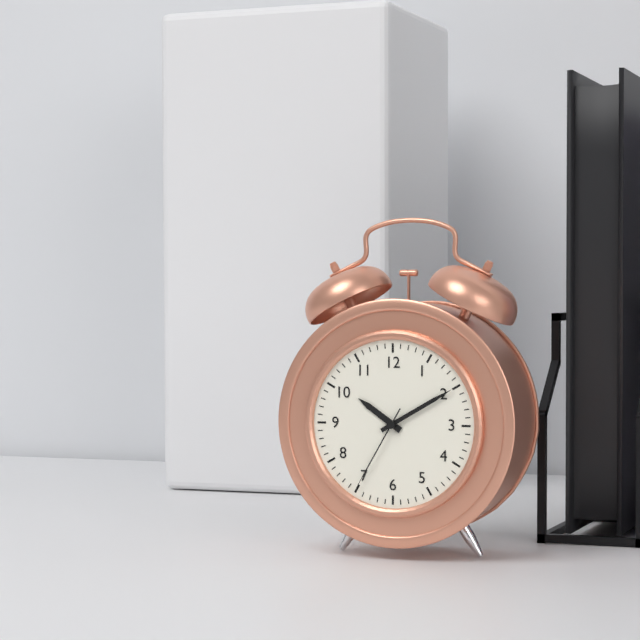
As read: 10:10:35
